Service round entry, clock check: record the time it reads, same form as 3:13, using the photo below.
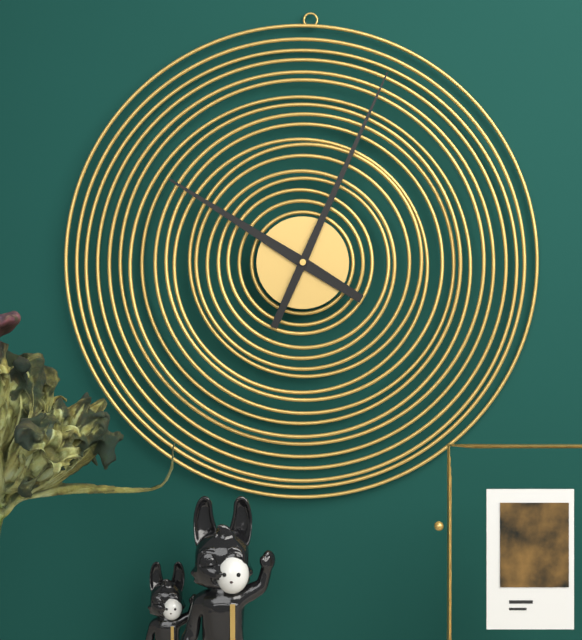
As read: 10:04
